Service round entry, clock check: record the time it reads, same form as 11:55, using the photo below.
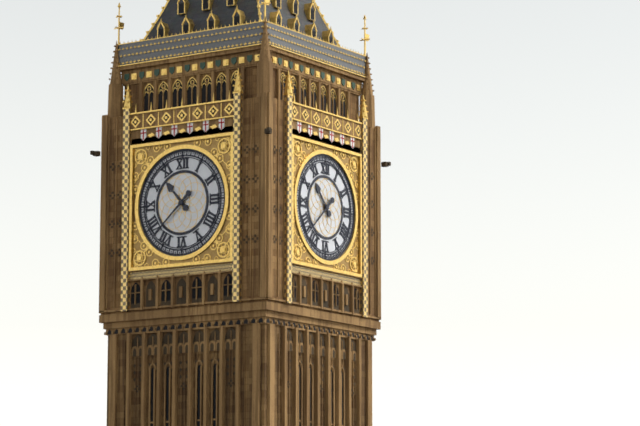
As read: 10:38
